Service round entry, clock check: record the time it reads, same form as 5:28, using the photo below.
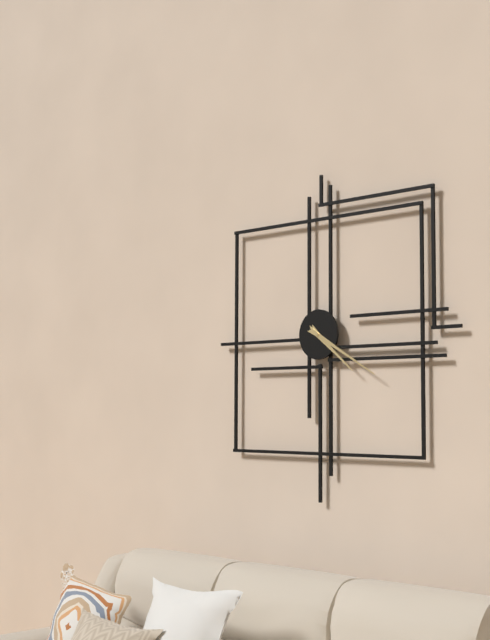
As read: 4:20
